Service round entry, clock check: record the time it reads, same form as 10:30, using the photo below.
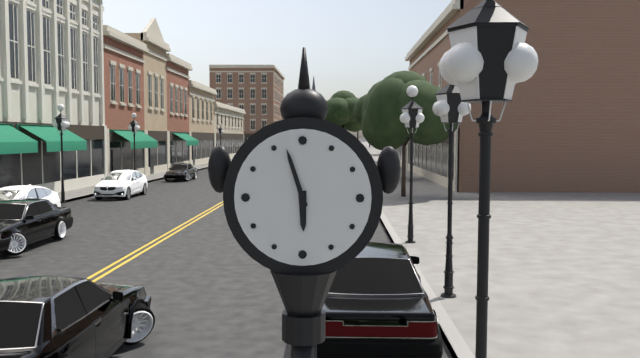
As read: 5:57
